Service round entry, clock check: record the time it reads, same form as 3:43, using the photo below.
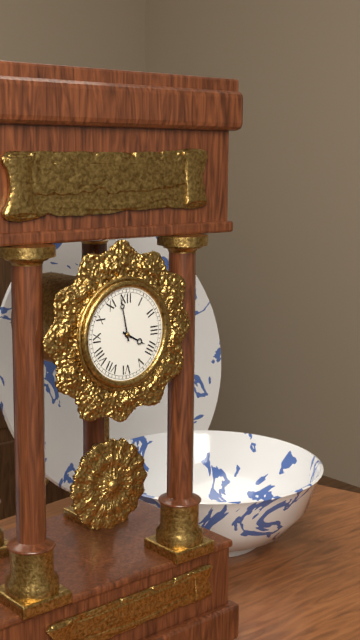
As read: 3:58
